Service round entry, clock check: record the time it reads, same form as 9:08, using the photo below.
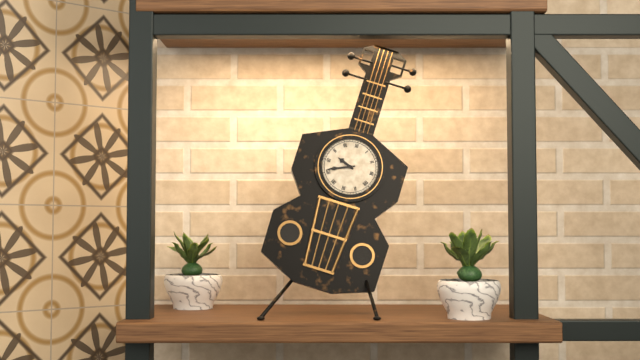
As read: 9:41
